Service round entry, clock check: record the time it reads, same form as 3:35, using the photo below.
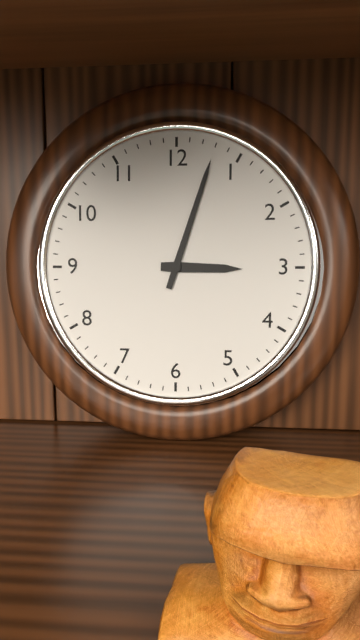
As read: 3:03
